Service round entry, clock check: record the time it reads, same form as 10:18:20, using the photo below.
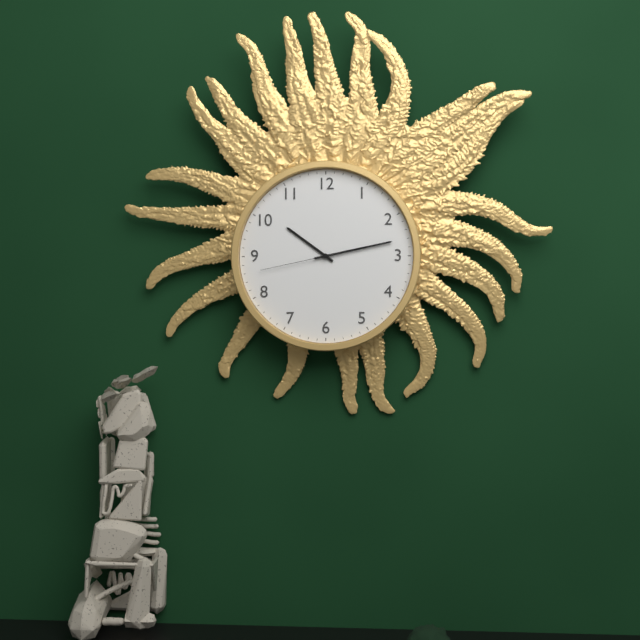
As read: 10:13:43
